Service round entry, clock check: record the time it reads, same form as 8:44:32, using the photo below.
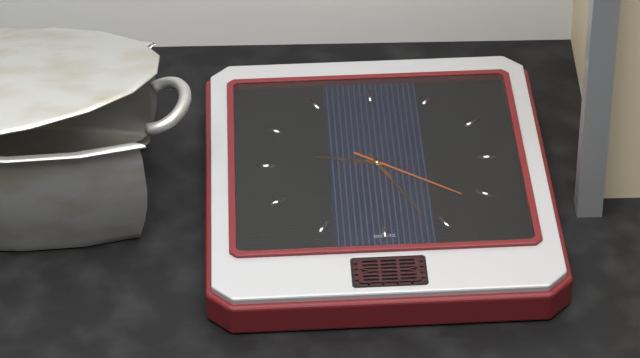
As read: 9:26:21
